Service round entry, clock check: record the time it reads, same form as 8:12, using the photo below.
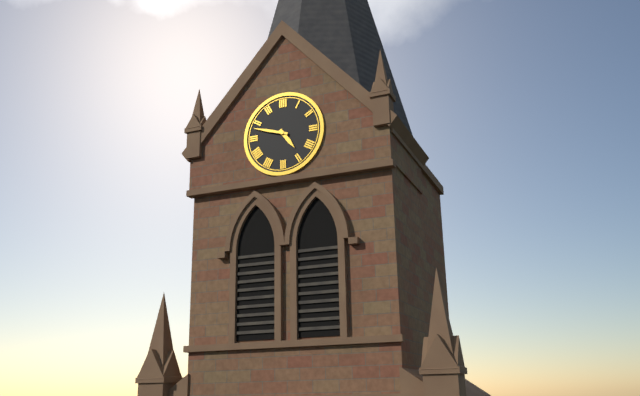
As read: 4:48
